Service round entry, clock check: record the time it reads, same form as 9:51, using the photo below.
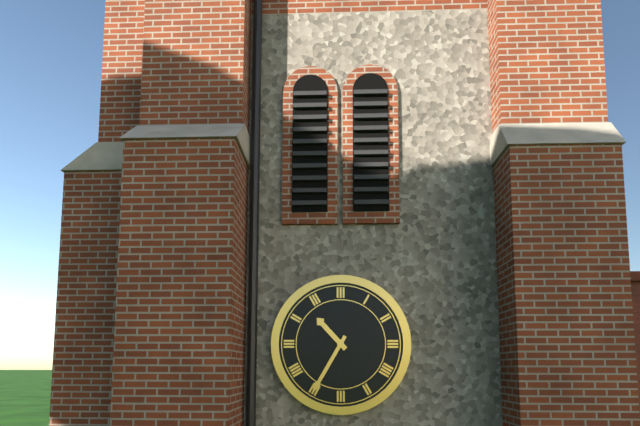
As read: 10:35
